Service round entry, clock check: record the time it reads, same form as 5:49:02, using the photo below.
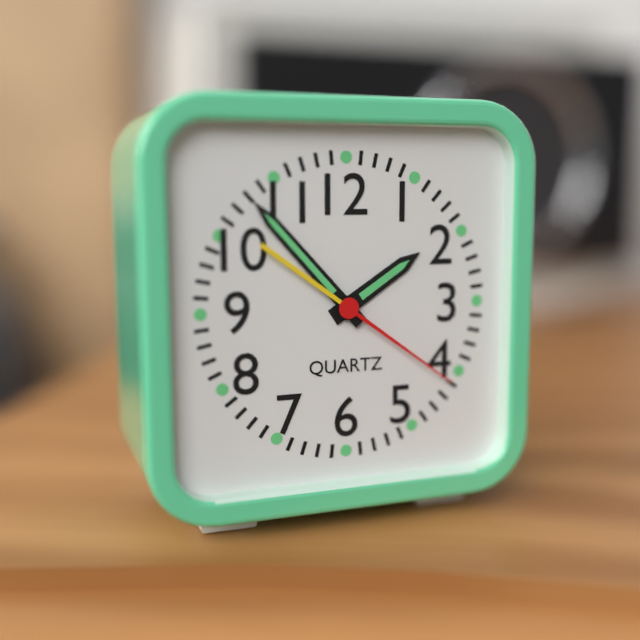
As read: 1:53:21
